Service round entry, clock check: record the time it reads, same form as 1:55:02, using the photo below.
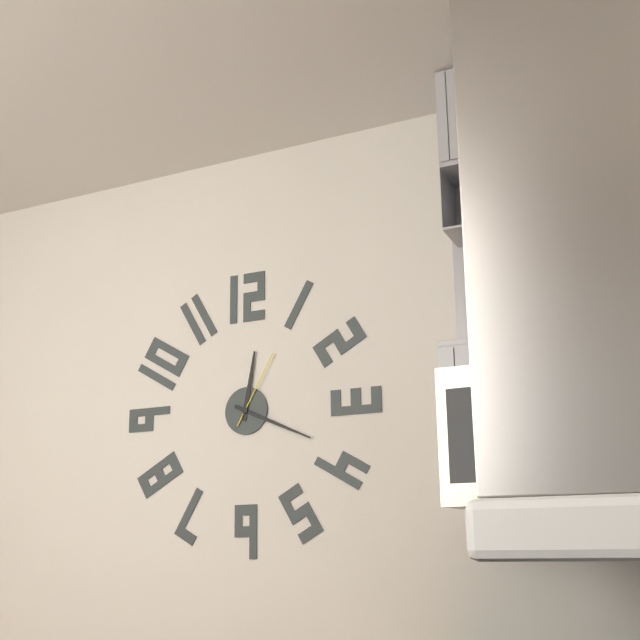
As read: 12:19:05
